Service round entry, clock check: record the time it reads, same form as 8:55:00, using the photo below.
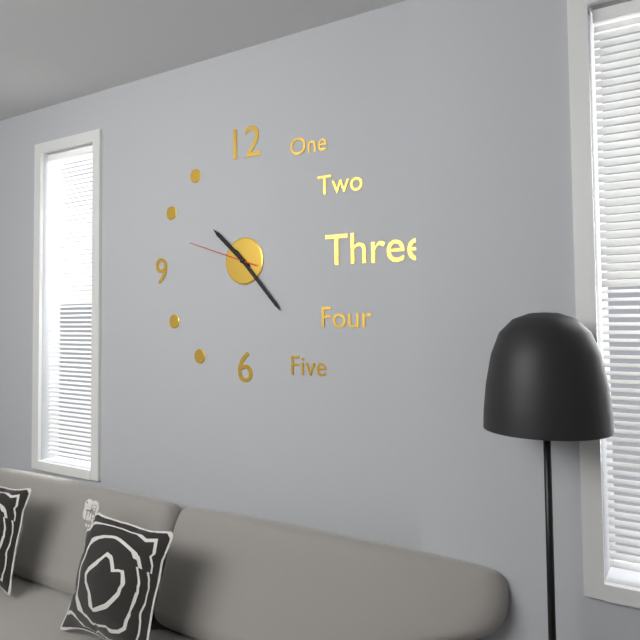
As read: 10:23:48
